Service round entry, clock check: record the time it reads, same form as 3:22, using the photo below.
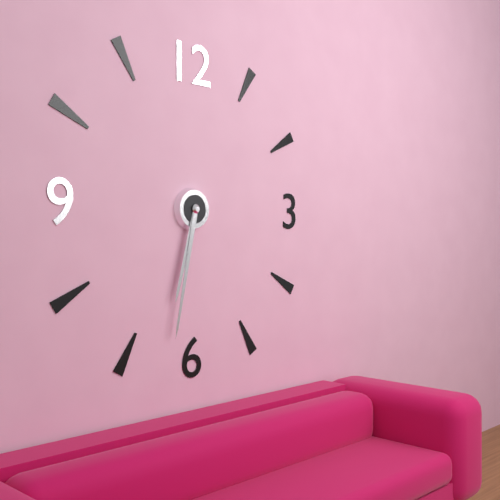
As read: 6:32
